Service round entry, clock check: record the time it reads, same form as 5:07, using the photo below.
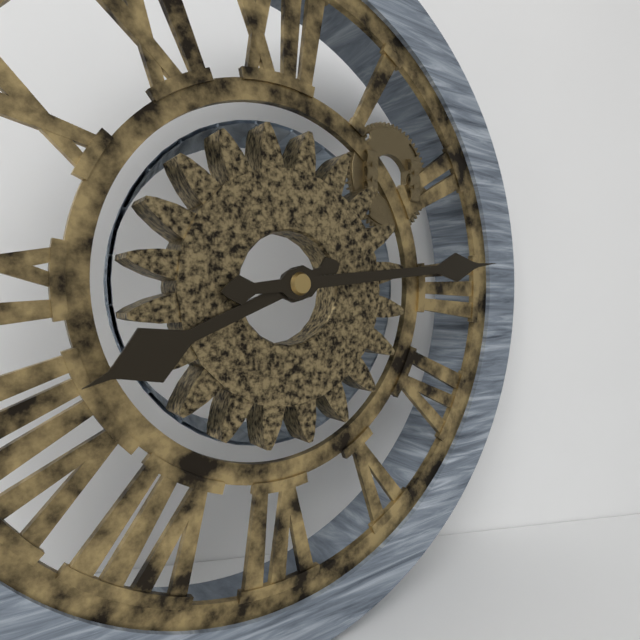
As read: 8:14
